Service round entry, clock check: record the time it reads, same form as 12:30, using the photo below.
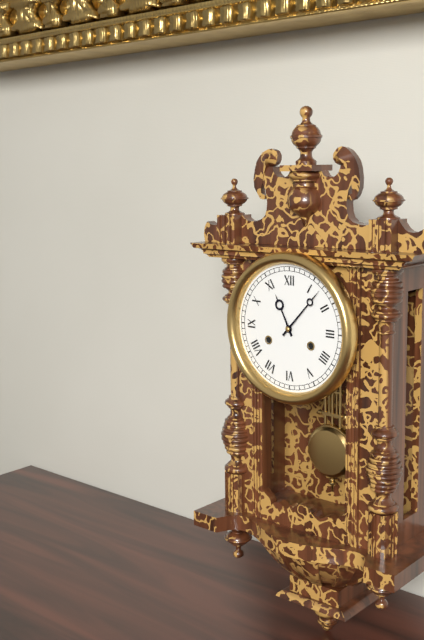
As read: 11:07
